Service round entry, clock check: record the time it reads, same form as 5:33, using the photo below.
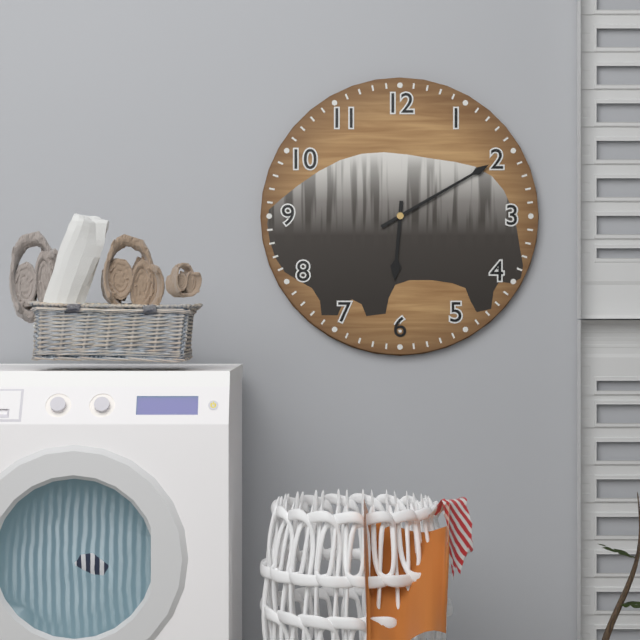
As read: 6:10
